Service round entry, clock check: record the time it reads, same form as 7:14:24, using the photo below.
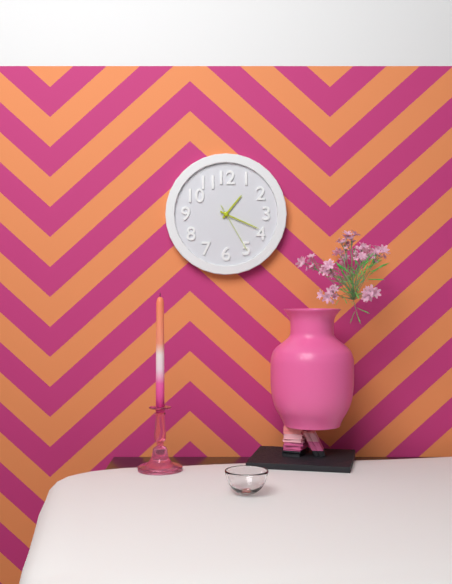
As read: 1:19:25
